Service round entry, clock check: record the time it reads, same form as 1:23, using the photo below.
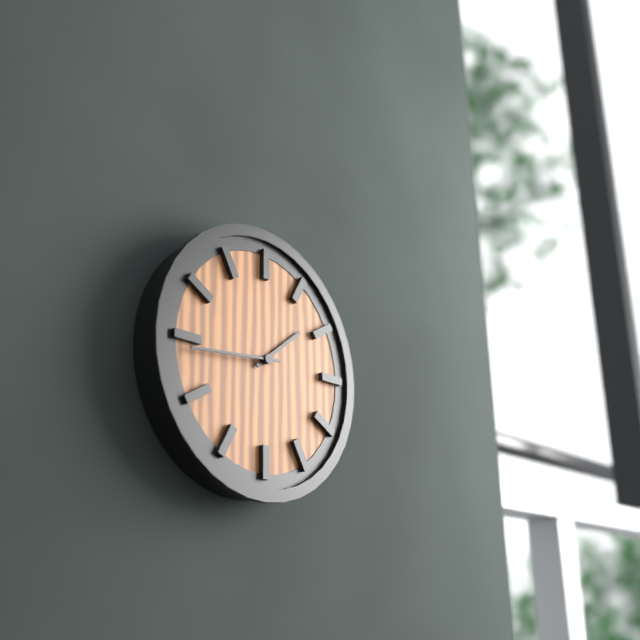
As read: 1:44
